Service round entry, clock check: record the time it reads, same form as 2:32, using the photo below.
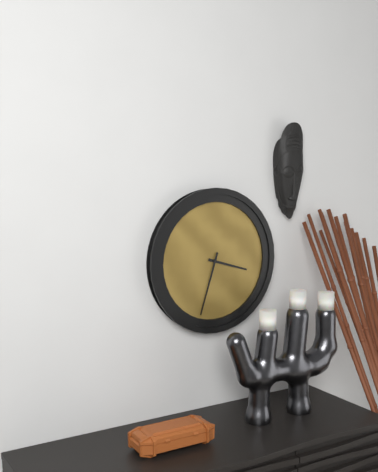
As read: 3:33
